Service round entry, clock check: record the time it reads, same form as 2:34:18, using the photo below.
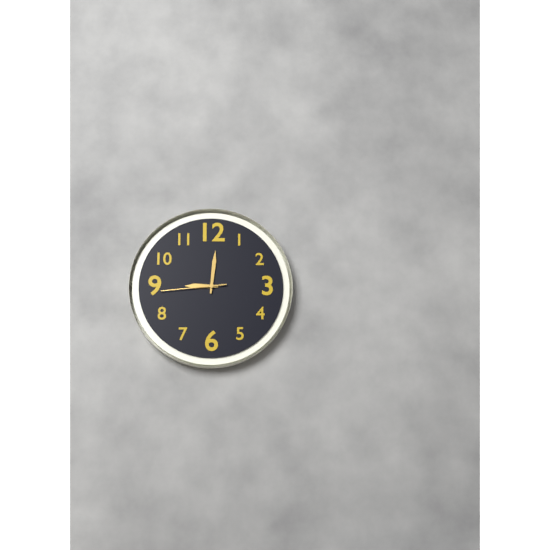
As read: 9:01:44
